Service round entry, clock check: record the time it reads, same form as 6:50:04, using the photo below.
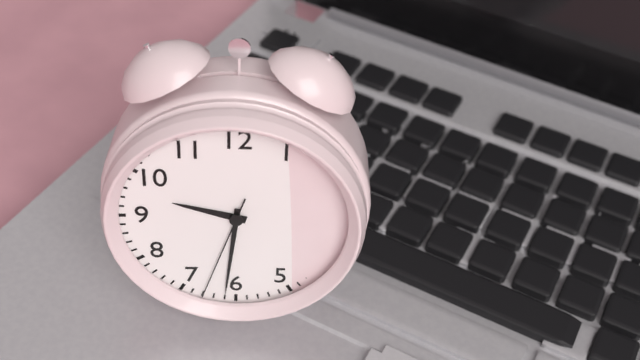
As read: 9:31:33
